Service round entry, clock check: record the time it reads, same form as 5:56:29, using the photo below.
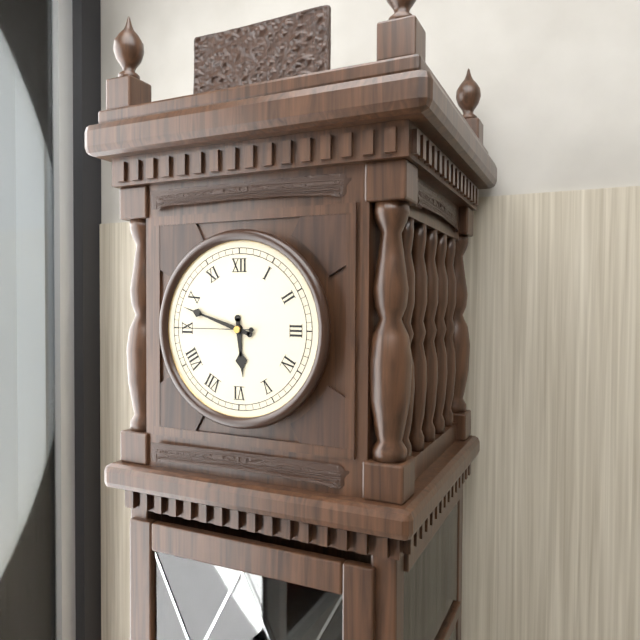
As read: 5:48:45
